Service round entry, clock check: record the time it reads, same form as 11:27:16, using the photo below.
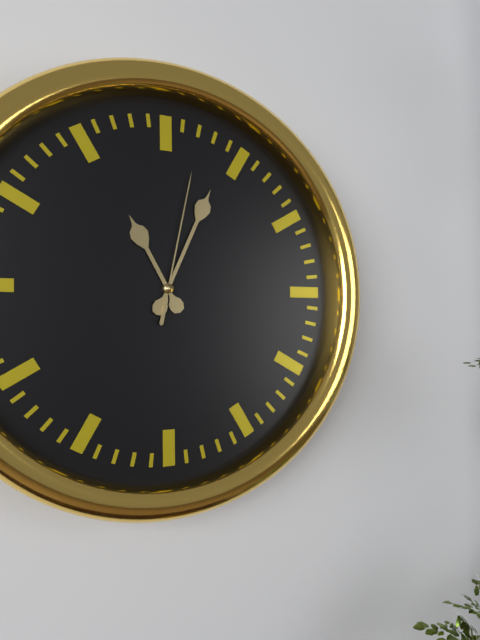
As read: 11:04:02
